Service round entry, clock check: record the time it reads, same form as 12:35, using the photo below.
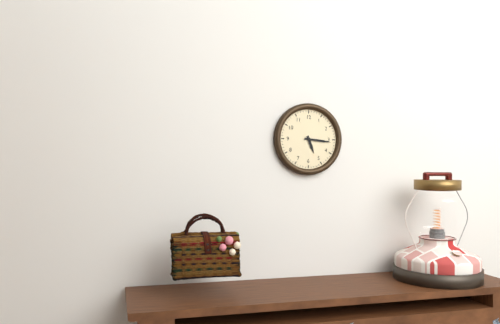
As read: 5:16
